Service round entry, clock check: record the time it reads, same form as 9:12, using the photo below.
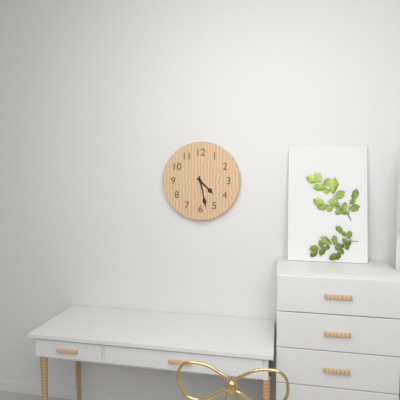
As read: 4:28
